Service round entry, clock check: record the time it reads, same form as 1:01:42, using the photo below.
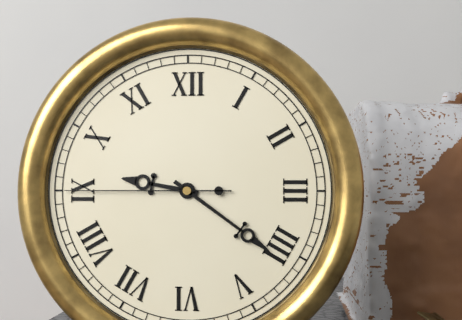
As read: 9:21:45
